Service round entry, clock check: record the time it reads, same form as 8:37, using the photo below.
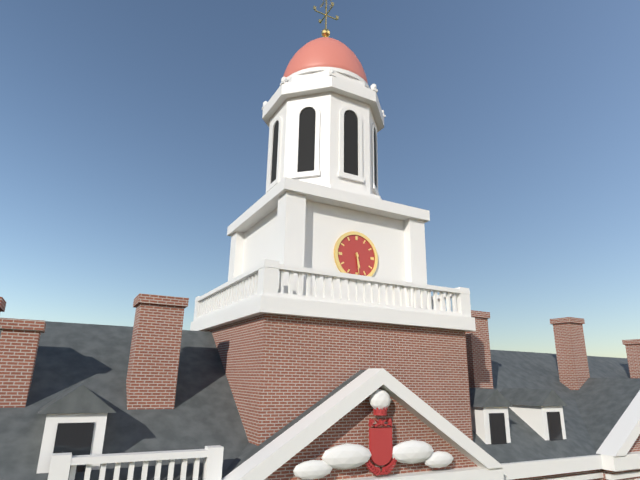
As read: 5:29
